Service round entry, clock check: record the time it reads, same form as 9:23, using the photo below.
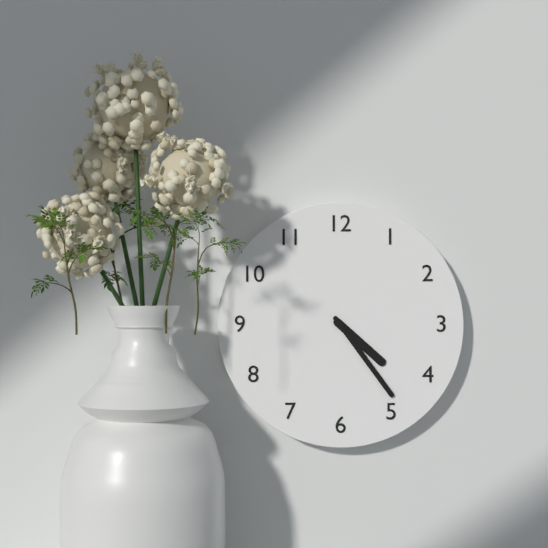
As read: 4:24
